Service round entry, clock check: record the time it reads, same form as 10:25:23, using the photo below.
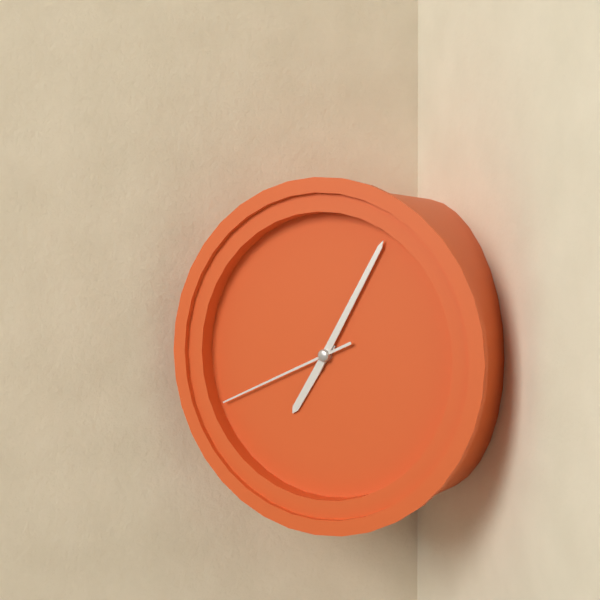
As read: 7:05:41
